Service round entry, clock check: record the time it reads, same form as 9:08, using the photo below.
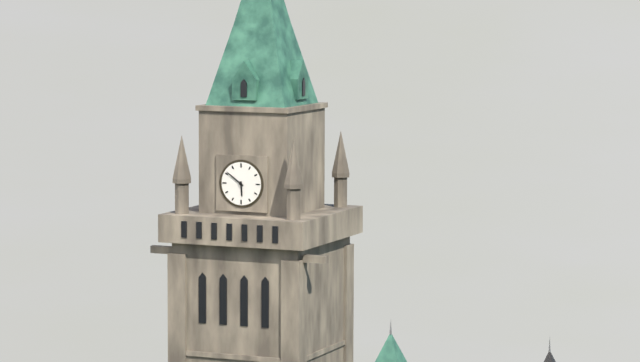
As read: 5:51
